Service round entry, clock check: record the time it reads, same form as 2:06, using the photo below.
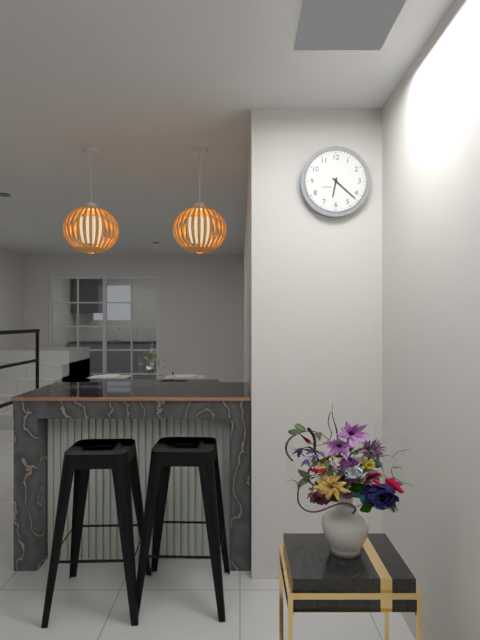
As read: 6:22
